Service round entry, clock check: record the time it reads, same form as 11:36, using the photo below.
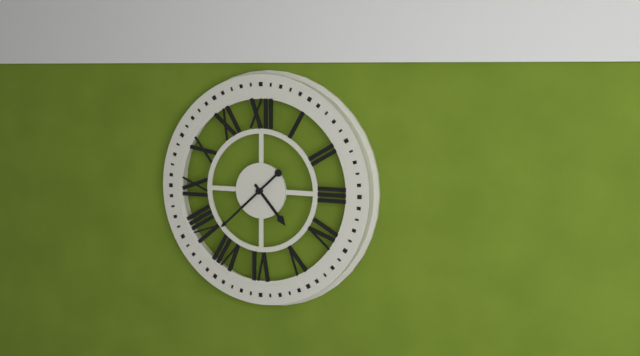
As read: 4:38
